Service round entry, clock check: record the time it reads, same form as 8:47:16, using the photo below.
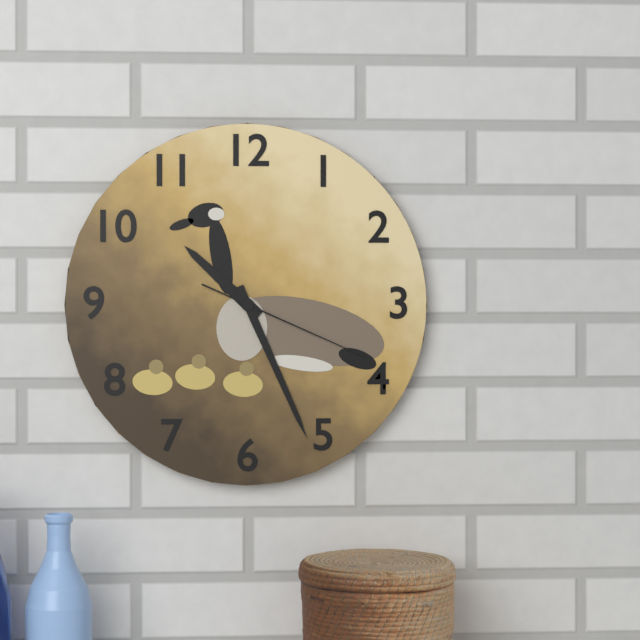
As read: 10:26:19
